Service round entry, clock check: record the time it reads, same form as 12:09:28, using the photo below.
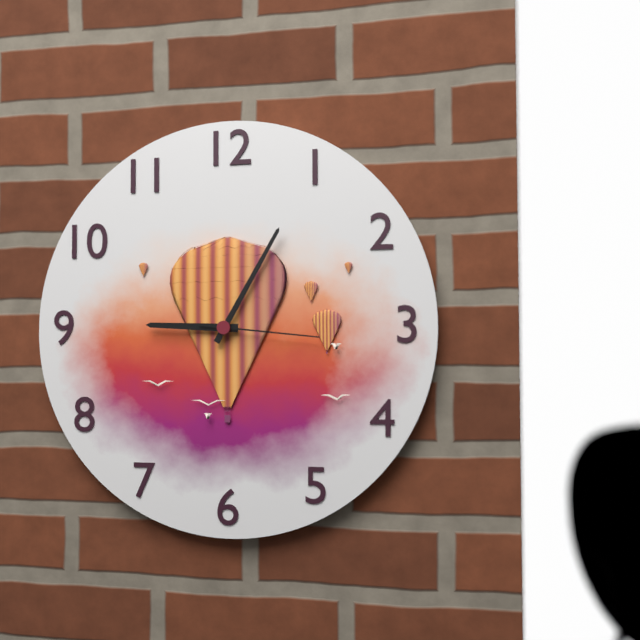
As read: 9:05:16
